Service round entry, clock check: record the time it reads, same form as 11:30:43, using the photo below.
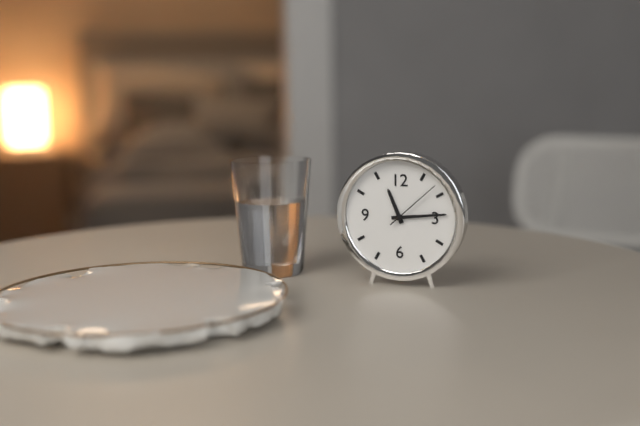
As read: 11:14:08
